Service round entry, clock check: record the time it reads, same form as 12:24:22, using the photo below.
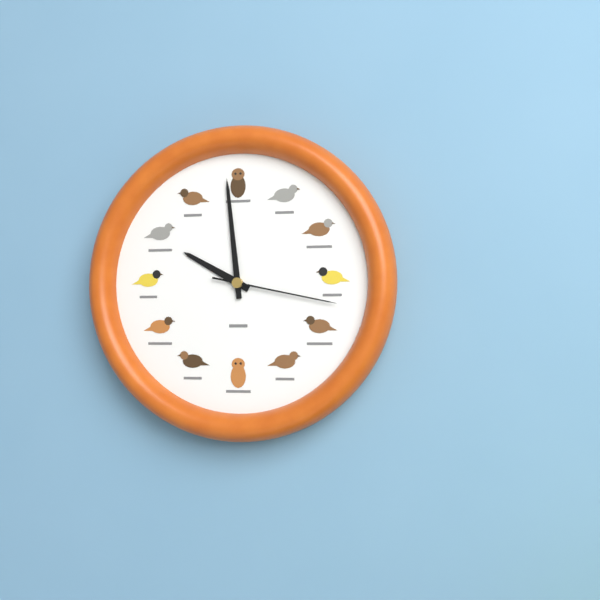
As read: 9:59:17
